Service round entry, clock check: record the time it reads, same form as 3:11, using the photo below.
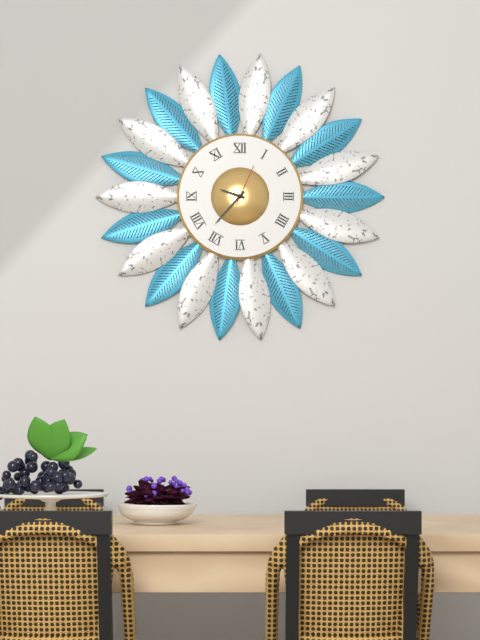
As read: 9:37
